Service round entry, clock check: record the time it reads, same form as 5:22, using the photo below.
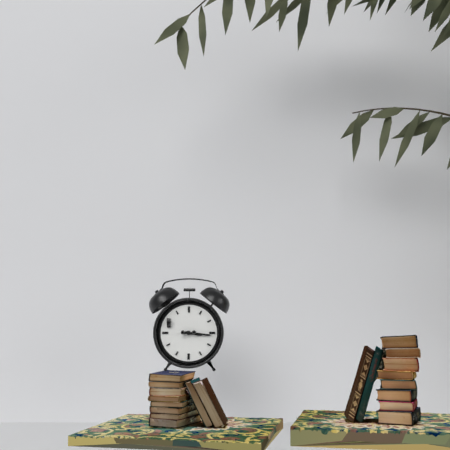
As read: 3:16
